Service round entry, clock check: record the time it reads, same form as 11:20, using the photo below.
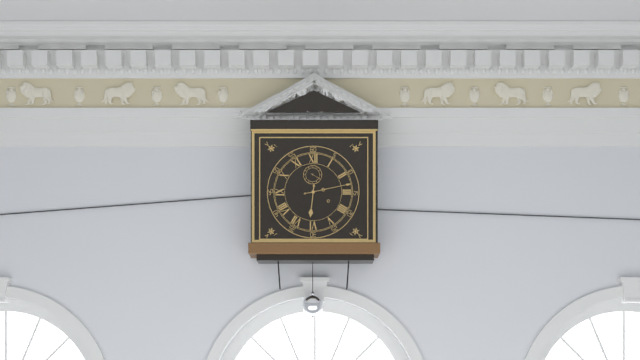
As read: 6:13
